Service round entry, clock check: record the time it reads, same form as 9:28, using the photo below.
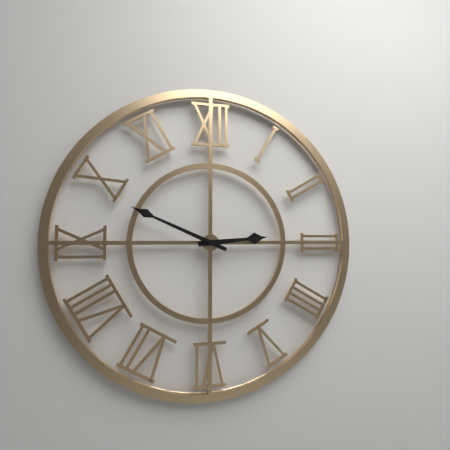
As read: 2:49
